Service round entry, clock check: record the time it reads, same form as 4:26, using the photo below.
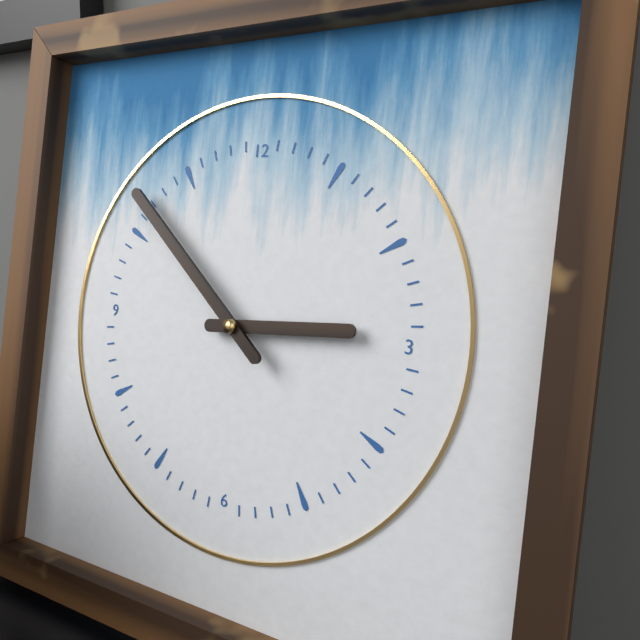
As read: 2:52
